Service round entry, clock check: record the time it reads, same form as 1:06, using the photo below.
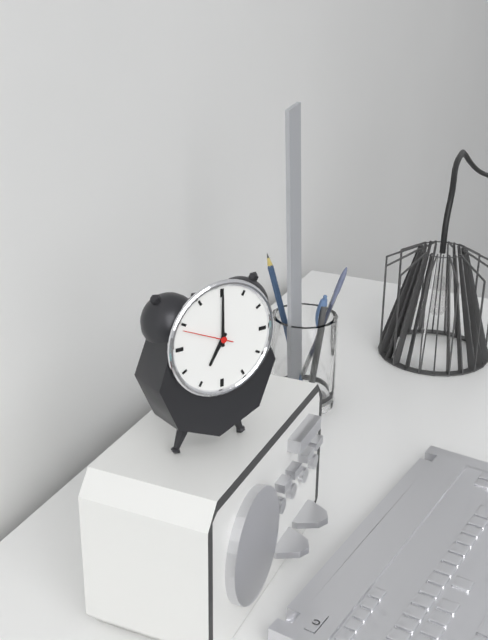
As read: 7:00
